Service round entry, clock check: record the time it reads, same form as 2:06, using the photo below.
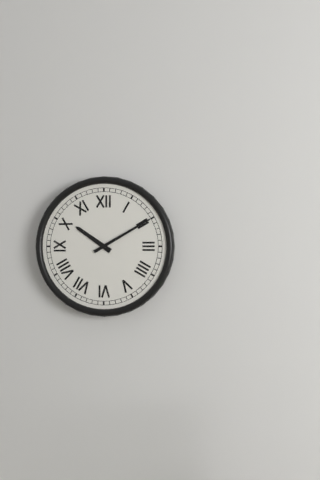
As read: 10:10
